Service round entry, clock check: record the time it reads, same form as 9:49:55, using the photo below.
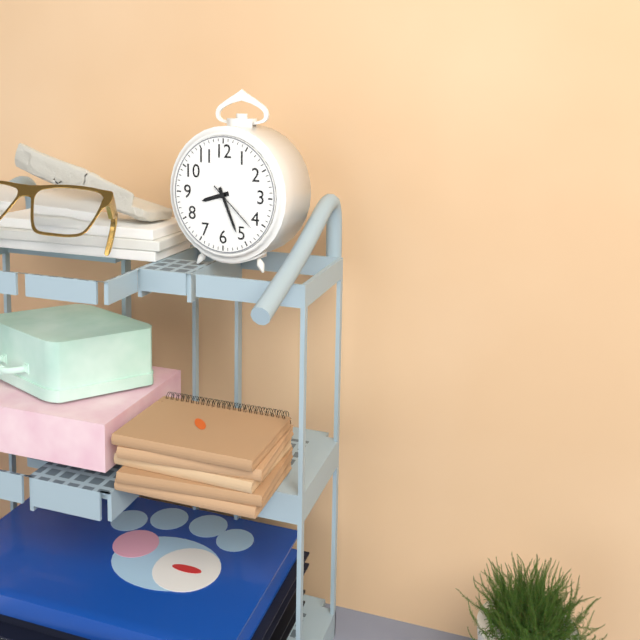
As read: 8:26:22
